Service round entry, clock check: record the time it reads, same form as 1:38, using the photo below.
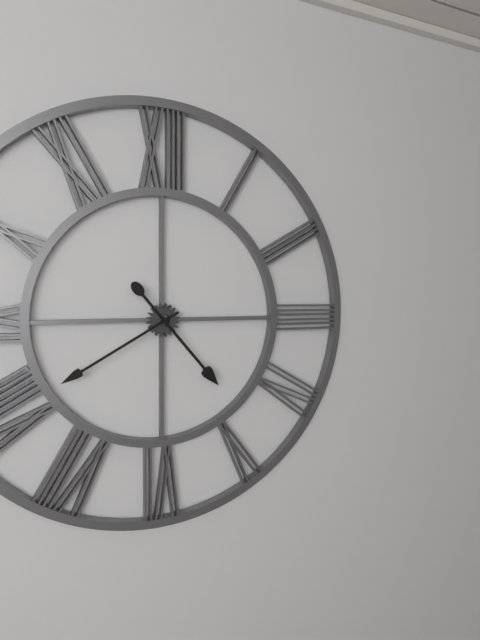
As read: 4:40
